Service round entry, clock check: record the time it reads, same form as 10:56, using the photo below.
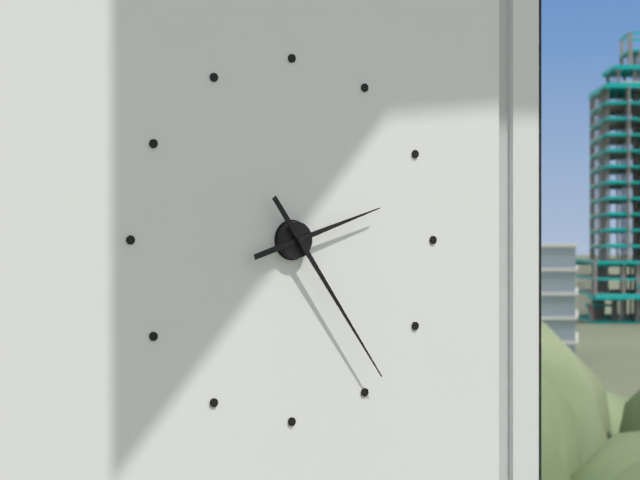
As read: 2:24
